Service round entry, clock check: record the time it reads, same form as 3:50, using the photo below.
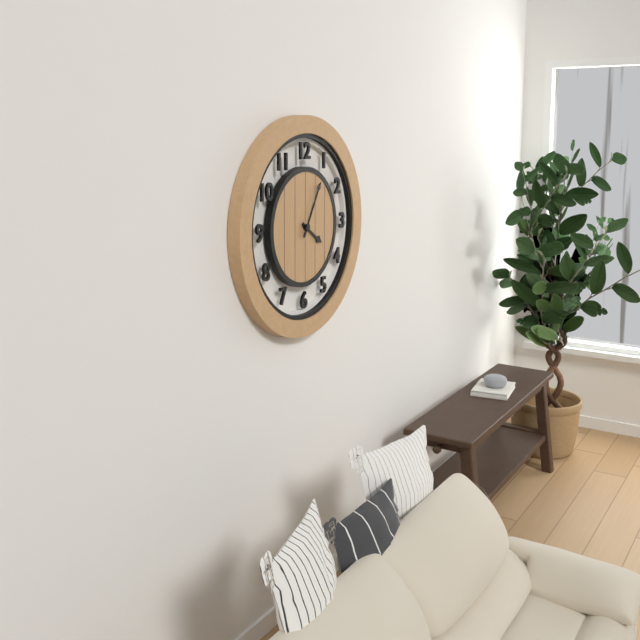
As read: 4:05
